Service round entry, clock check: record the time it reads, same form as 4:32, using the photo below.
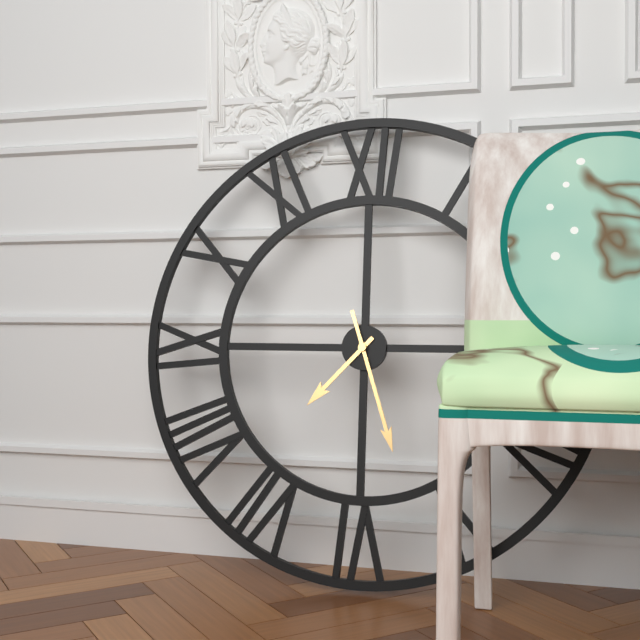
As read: 7:27
